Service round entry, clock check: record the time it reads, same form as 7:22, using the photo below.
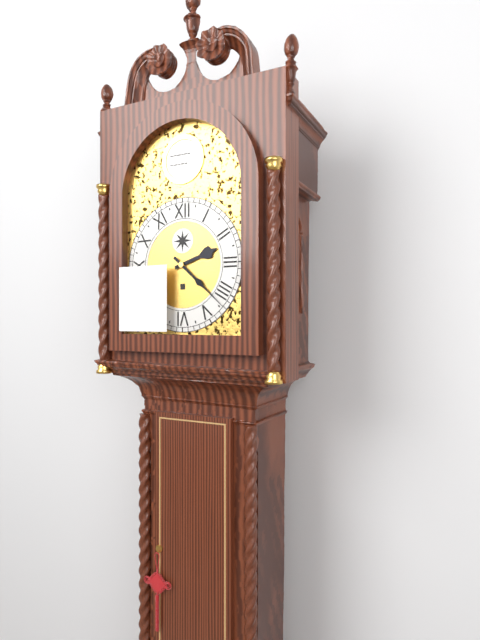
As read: 2:22
